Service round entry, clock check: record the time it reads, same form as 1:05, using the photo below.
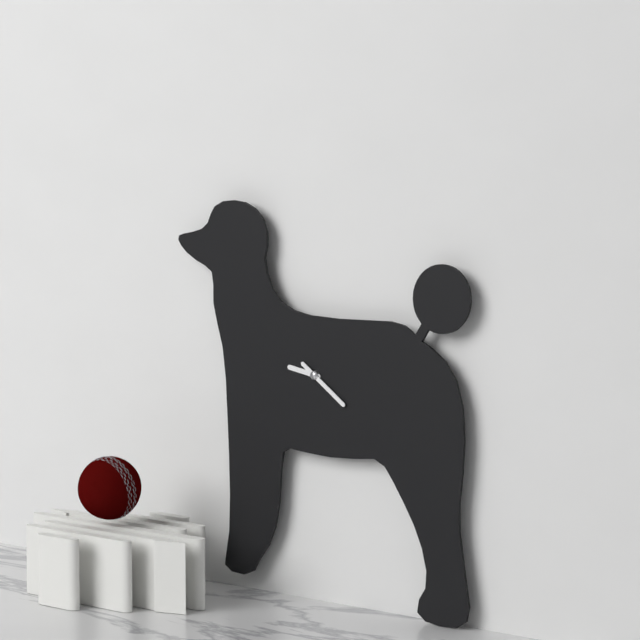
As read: 9:21
